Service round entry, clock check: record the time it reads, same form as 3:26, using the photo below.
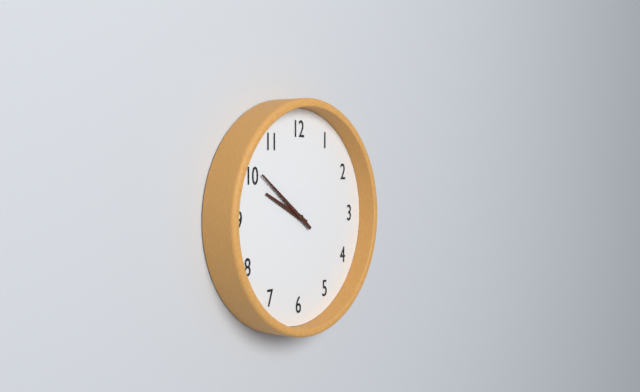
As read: 9:51
